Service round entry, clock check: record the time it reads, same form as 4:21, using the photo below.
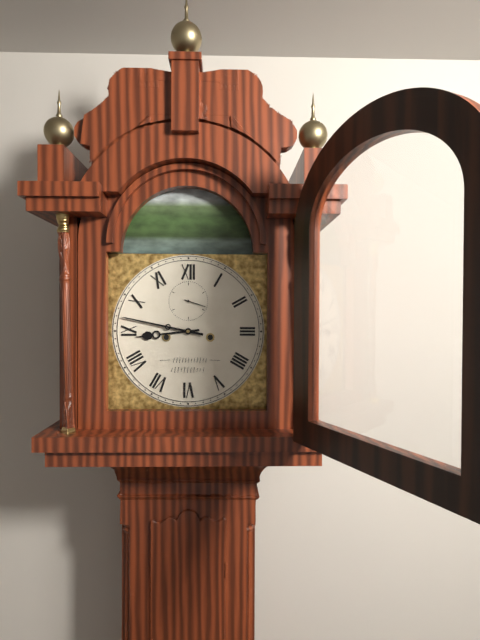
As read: 8:47
